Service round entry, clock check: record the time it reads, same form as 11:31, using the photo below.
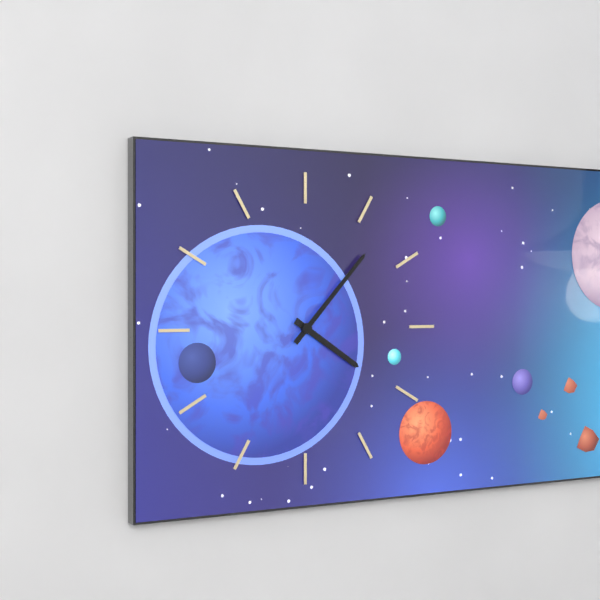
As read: 4:07
